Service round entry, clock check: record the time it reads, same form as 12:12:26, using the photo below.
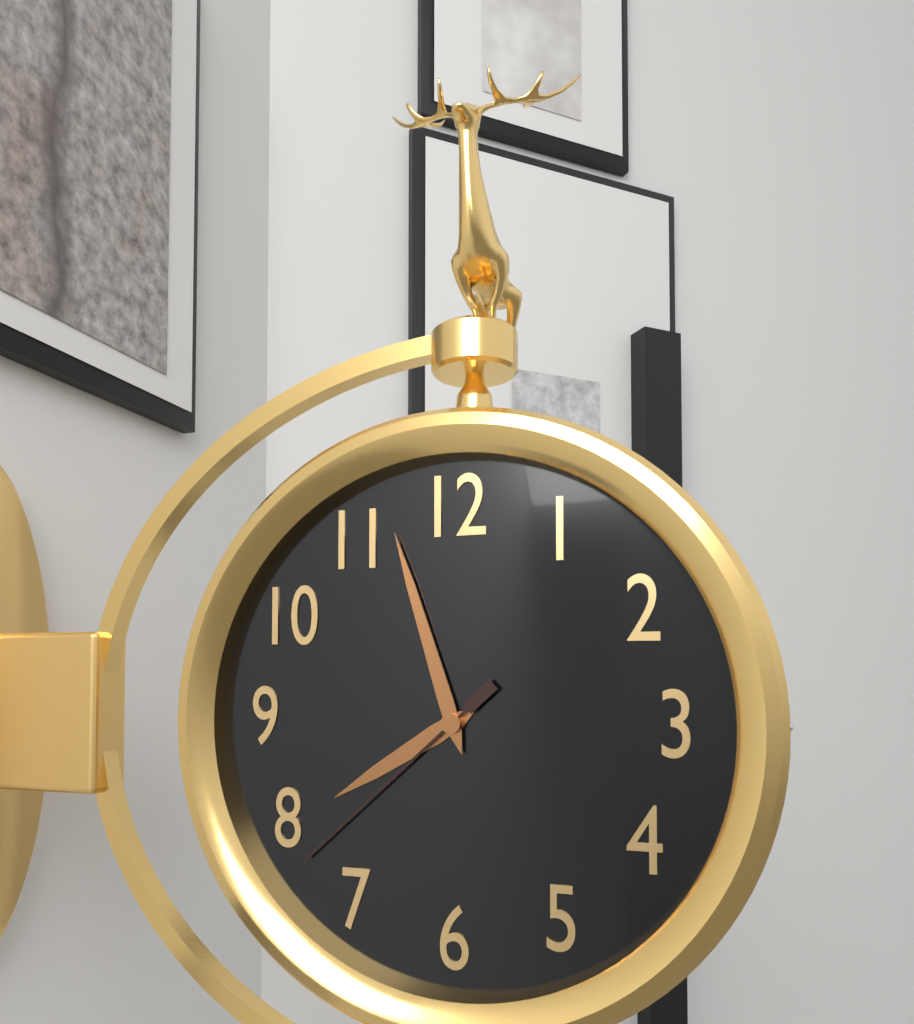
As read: 7:57:38
